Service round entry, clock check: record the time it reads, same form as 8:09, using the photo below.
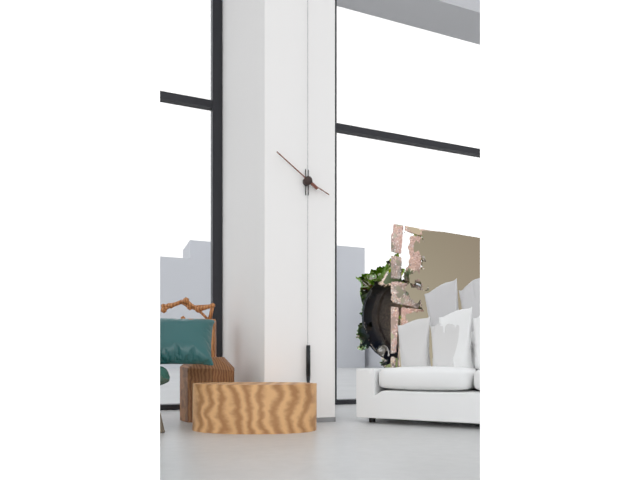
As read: 3:51
